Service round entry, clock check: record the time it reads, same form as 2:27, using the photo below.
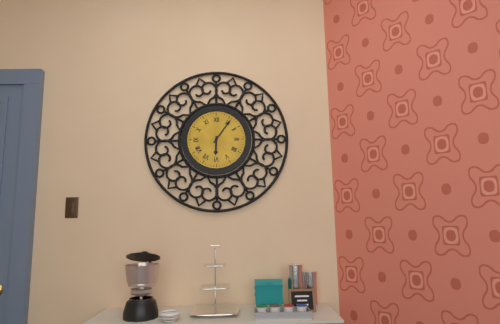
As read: 6:06
